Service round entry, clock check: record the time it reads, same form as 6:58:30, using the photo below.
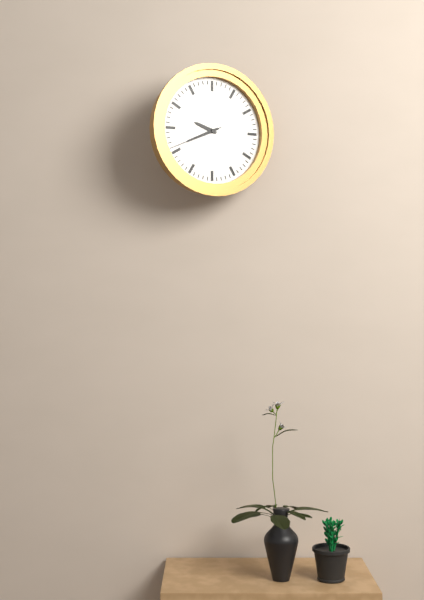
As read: 9:41:41
